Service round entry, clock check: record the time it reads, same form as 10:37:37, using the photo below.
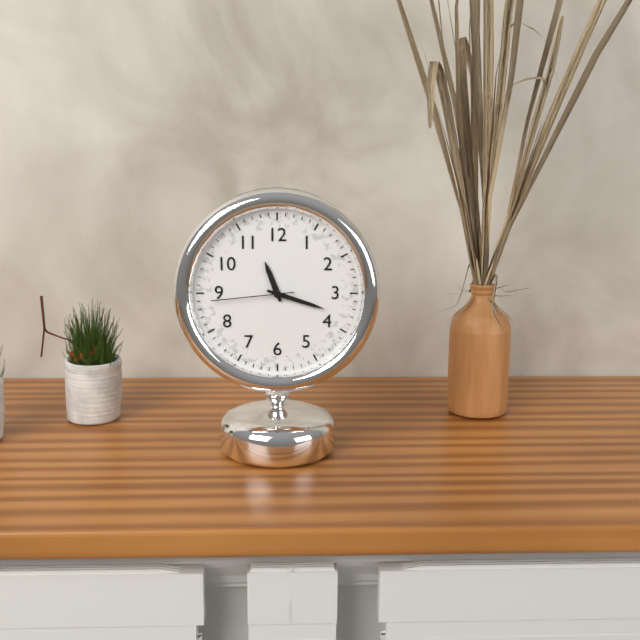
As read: 11:18:44
